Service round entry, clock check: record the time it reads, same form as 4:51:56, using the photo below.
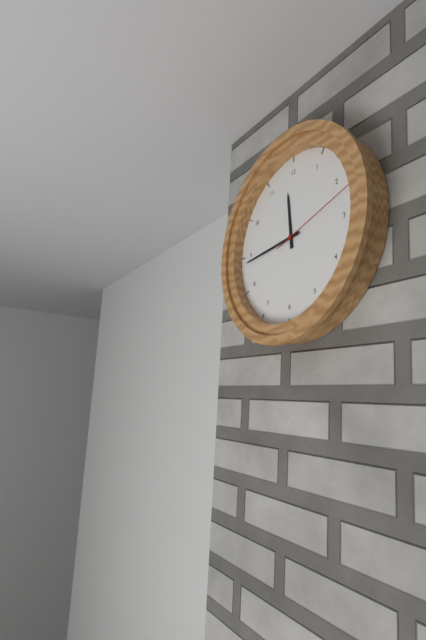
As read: 11:44:12
